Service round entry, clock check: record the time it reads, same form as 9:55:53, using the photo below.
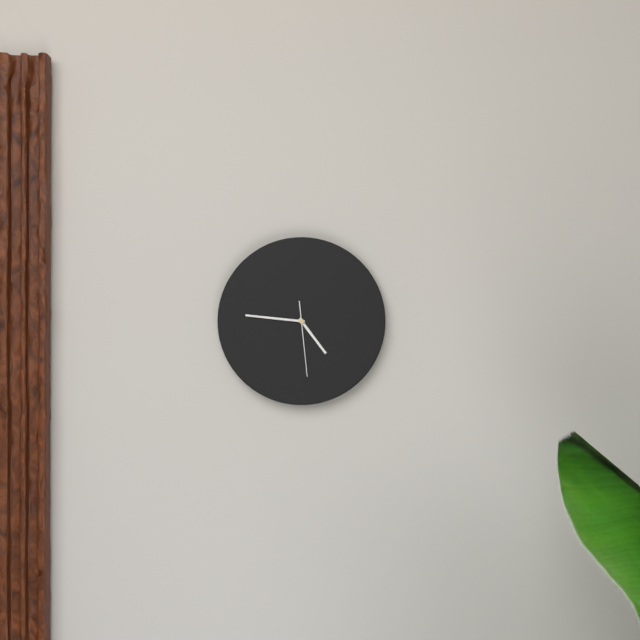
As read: 4:46:29
